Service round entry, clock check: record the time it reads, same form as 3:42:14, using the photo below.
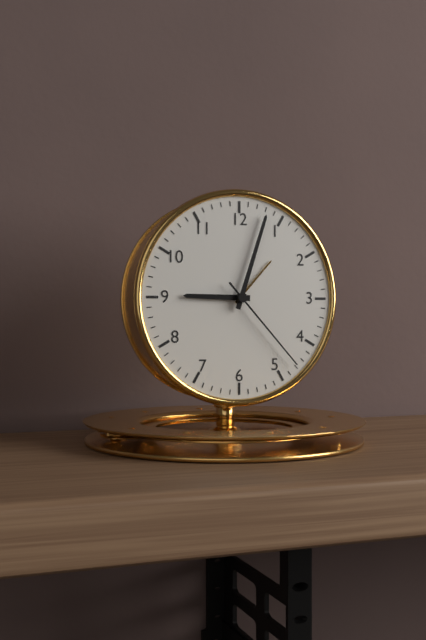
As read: 9:03:23
